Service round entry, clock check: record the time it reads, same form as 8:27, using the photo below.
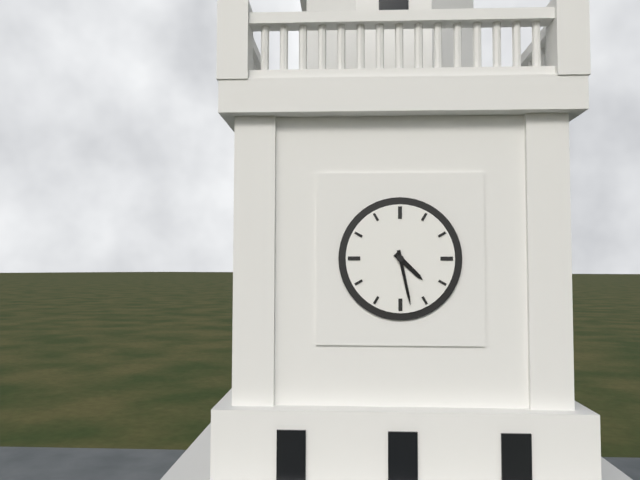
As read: 4:28
